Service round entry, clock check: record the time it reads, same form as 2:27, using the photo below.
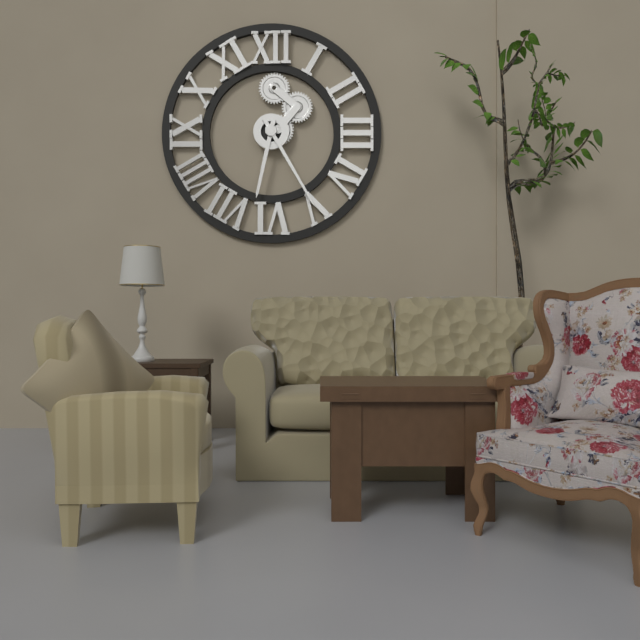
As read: 6:25
